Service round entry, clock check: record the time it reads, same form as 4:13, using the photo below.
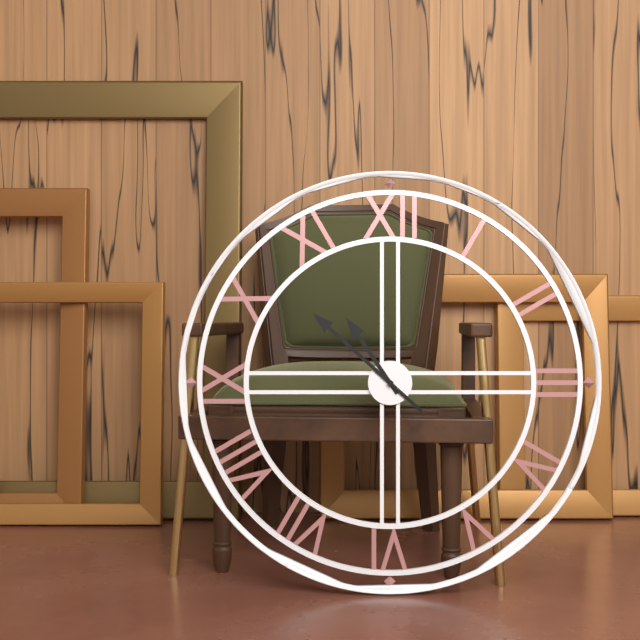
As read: 10:52
